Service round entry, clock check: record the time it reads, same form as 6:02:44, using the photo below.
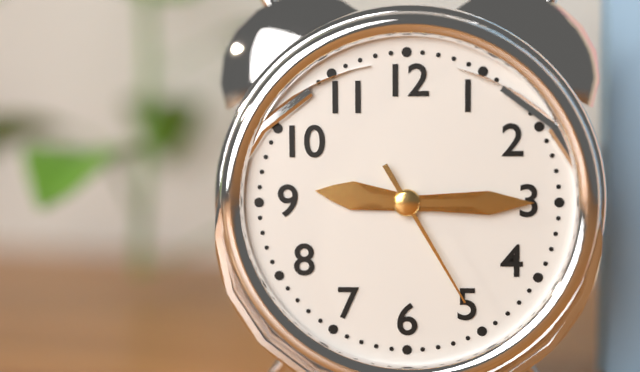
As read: 9:15:25
